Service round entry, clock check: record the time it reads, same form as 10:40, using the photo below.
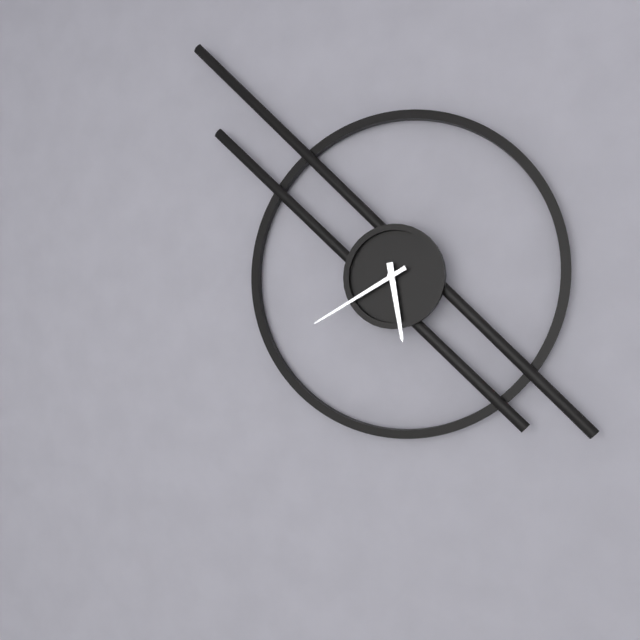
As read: 5:40
